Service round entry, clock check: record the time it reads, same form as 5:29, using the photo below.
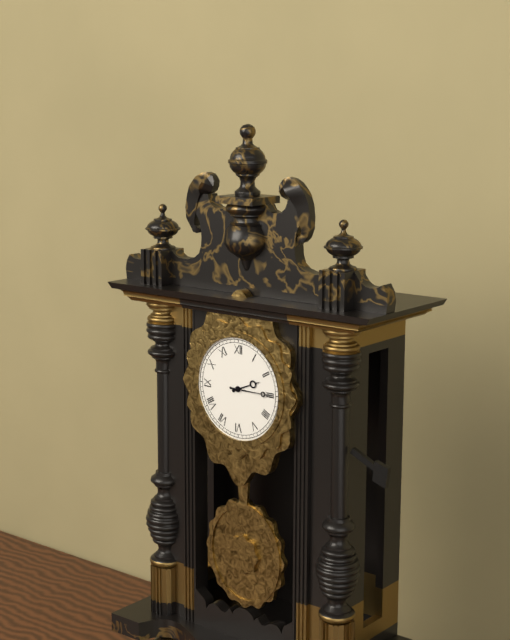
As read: 2:15
